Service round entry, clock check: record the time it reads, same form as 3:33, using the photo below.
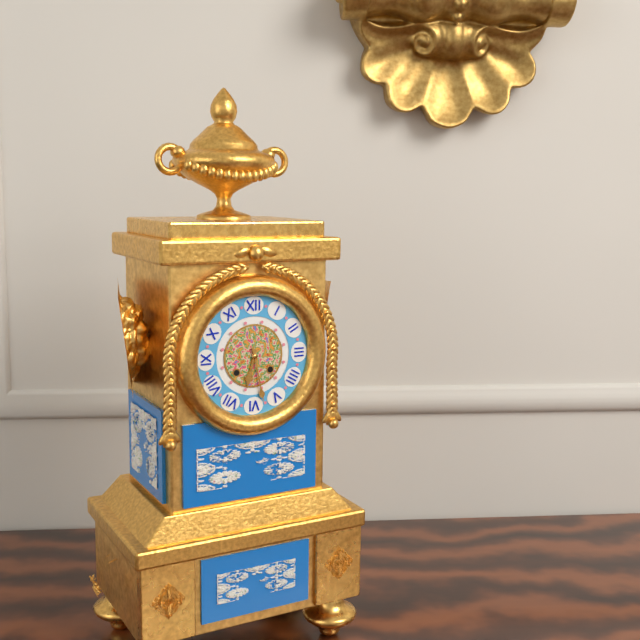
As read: 6:28
